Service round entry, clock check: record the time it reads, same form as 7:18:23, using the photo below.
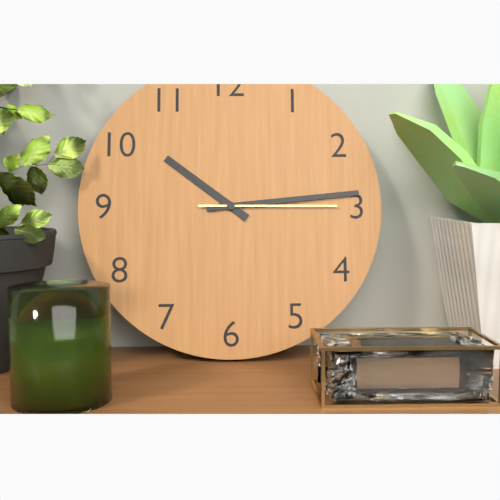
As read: 10:14:15
